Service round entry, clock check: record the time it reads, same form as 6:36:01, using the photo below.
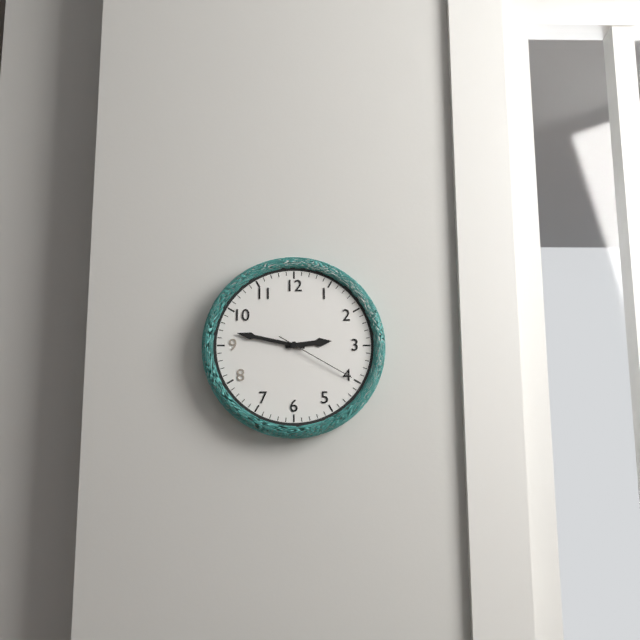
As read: 2:47:20
